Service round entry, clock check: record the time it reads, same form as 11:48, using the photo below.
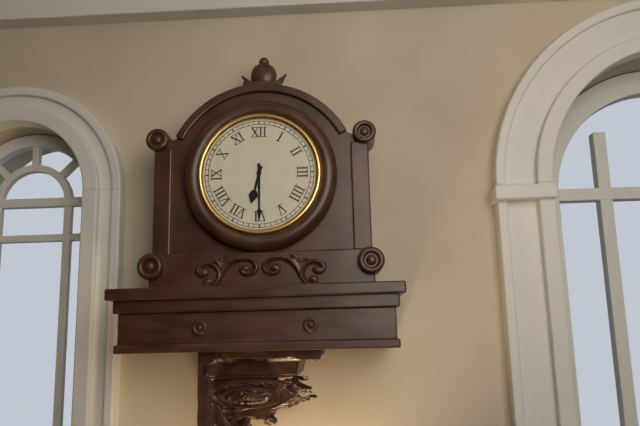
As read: 6:30
